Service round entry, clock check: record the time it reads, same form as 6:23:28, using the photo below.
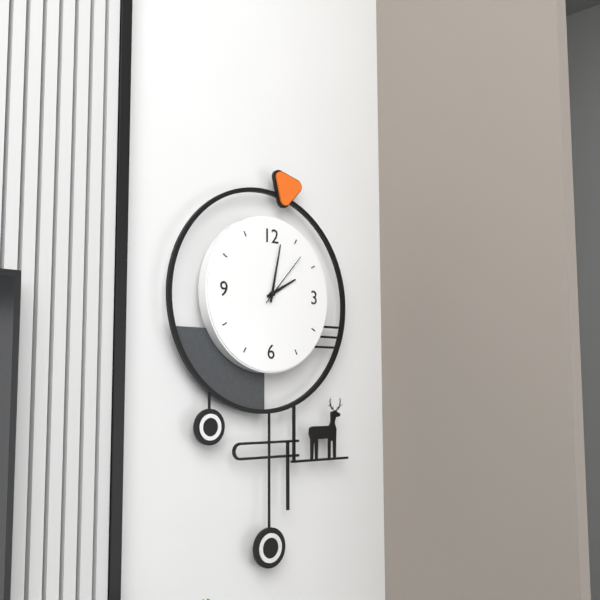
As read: 2:02:07
